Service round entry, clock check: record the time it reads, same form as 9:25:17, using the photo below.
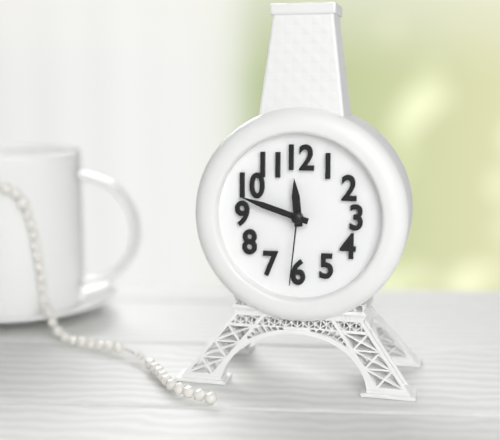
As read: 11:48:31
